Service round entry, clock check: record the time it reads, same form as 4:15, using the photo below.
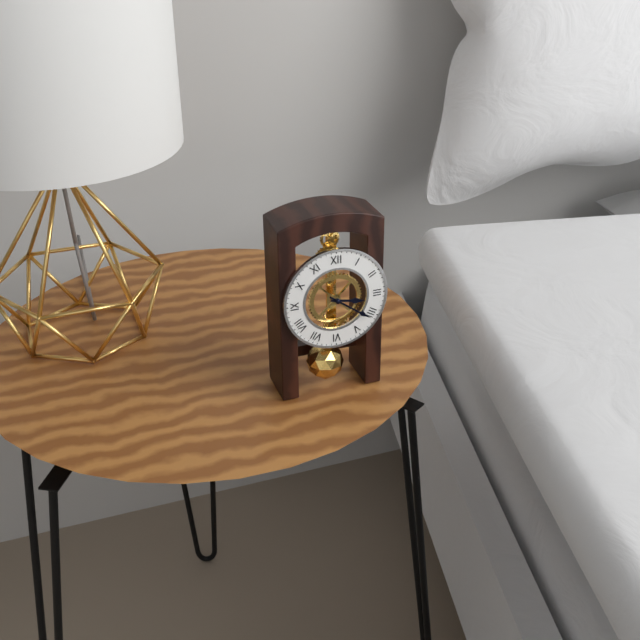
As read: 3:21
